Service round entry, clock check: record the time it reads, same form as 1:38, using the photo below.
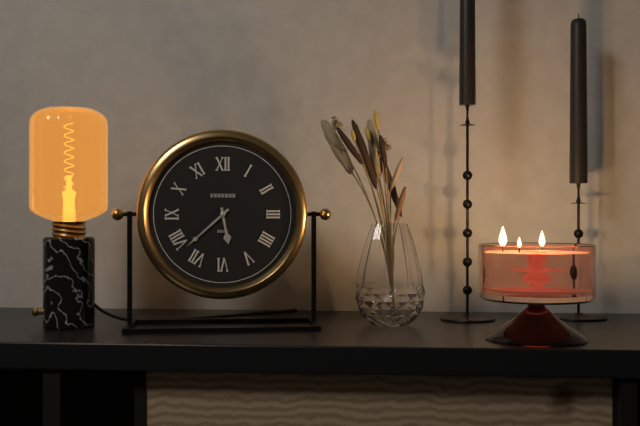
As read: 5:38
